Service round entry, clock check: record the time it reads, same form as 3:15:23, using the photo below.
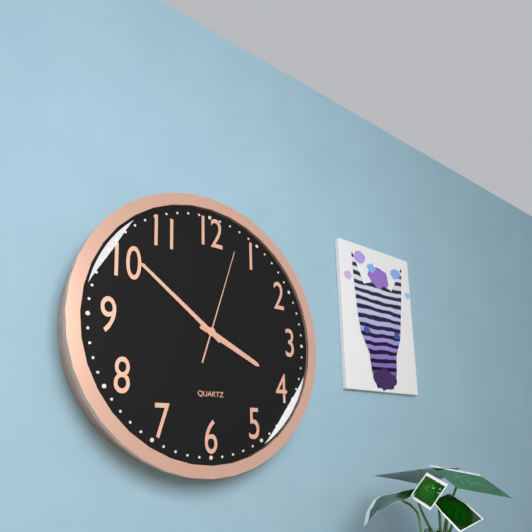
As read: 3:51:03
